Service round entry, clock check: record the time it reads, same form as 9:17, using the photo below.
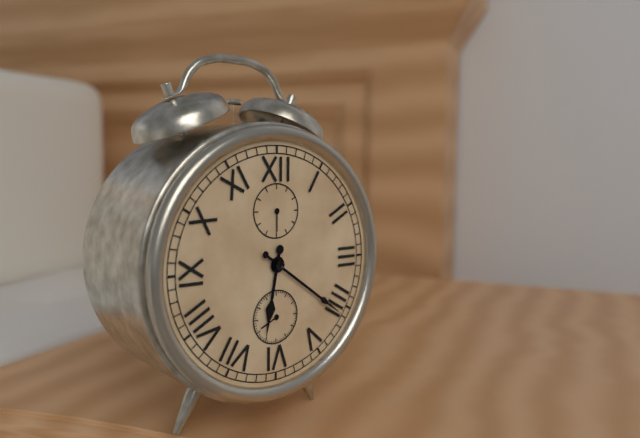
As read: 6:21
